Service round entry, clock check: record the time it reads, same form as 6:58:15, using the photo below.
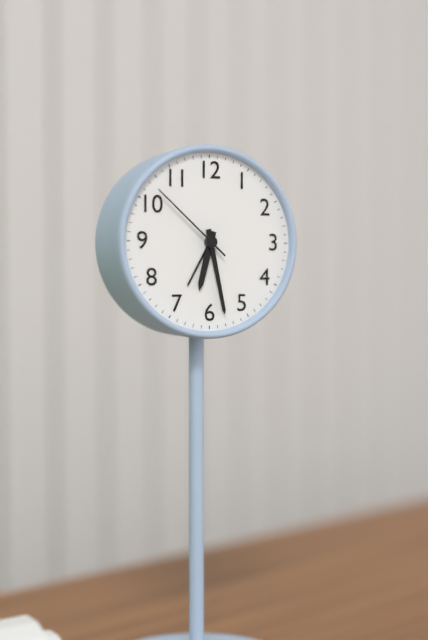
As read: 6:28:52
